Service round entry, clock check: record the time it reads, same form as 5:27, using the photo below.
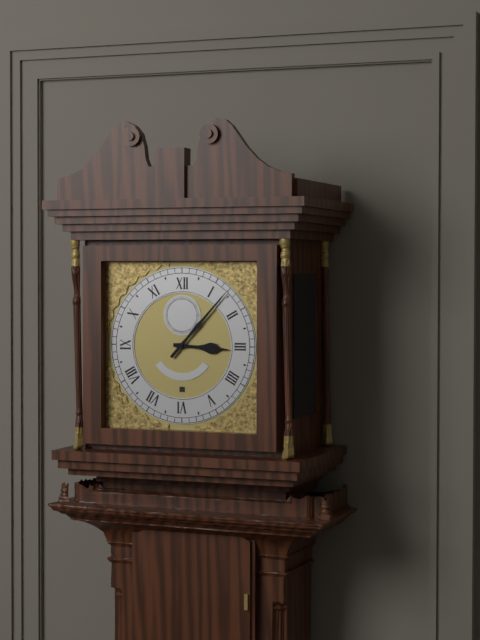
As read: 3:07
